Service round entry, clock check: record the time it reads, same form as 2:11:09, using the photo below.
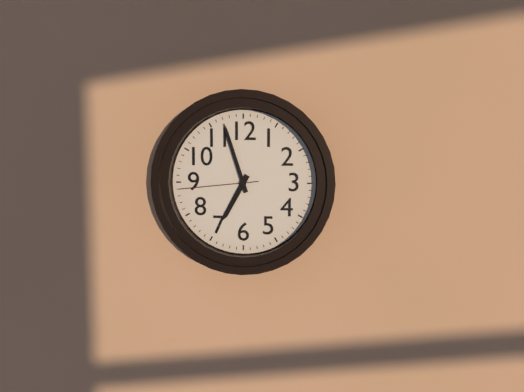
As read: 6:57:44
